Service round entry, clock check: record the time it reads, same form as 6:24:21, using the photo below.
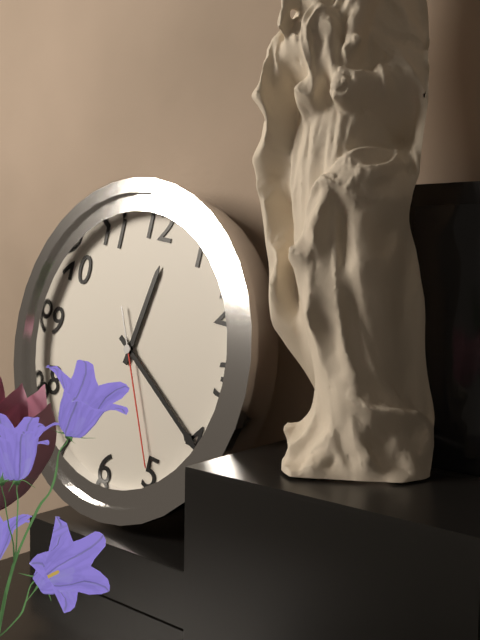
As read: 12:20:25
